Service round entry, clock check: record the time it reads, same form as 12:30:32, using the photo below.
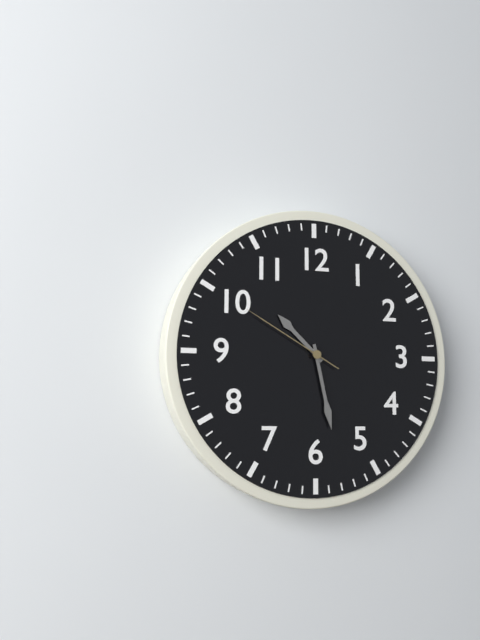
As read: 10:28:50
